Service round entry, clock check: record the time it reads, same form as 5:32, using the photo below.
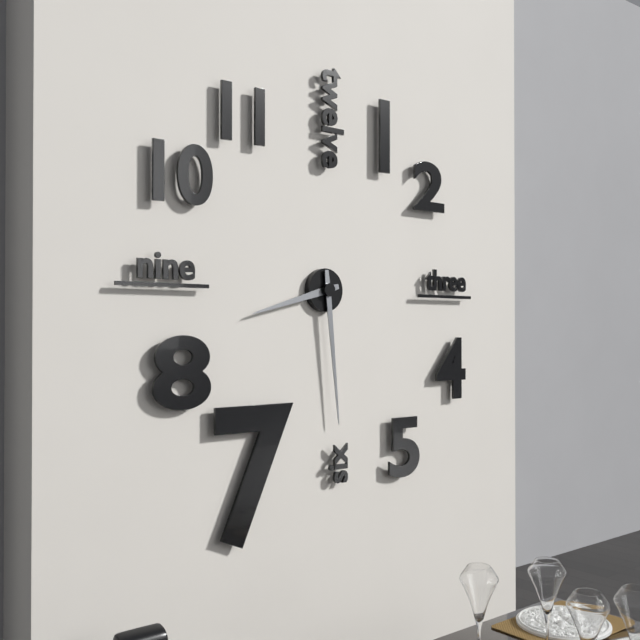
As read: 8:29
